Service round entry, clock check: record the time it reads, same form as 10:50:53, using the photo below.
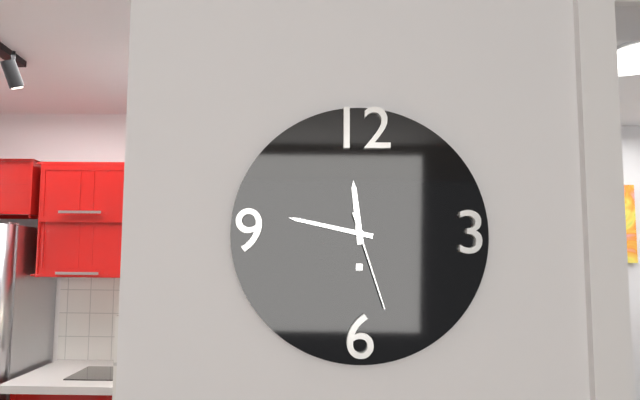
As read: 11:47:27
